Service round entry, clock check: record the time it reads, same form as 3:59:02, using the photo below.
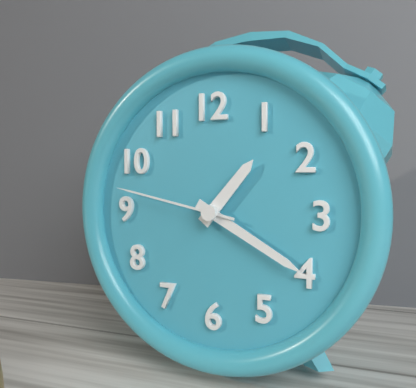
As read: 1:20:47
